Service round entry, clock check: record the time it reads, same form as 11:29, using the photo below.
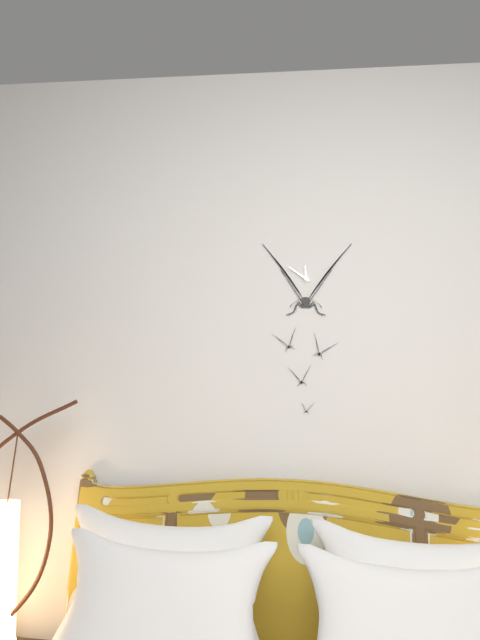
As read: 11:51
